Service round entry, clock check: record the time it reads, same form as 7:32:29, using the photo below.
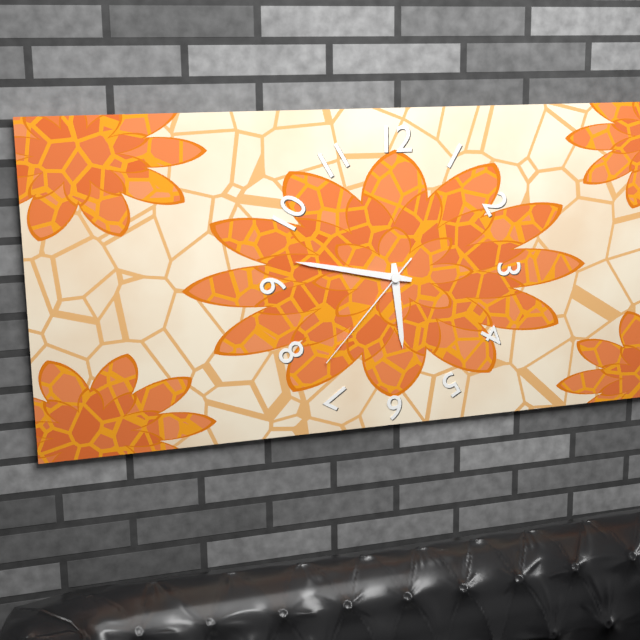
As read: 5:47:37
